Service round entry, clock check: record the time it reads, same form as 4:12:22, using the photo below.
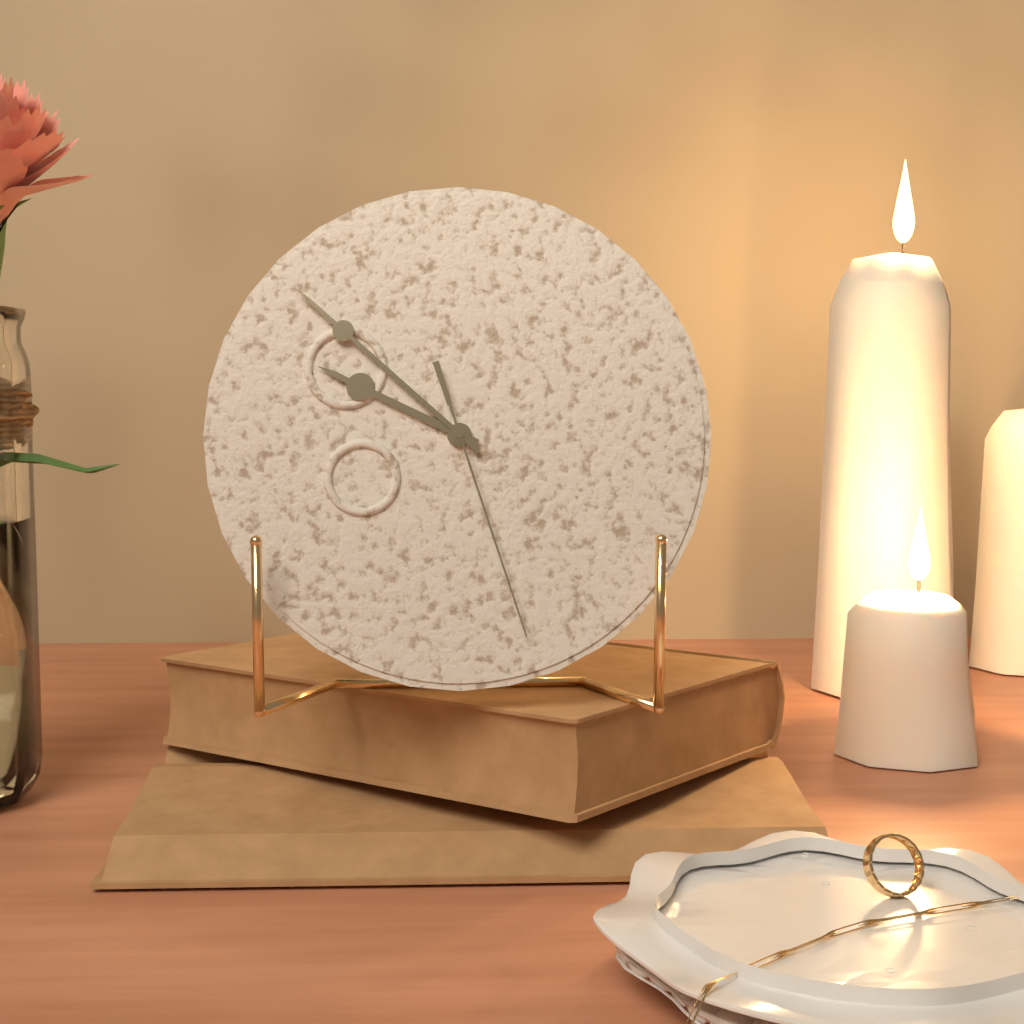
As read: 9:52:27
